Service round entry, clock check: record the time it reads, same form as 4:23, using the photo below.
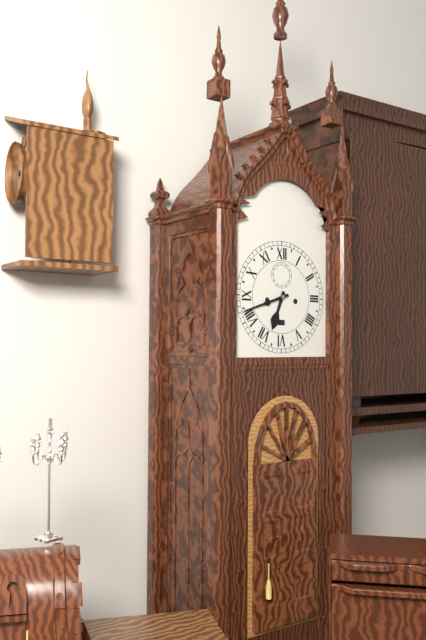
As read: 6:42
